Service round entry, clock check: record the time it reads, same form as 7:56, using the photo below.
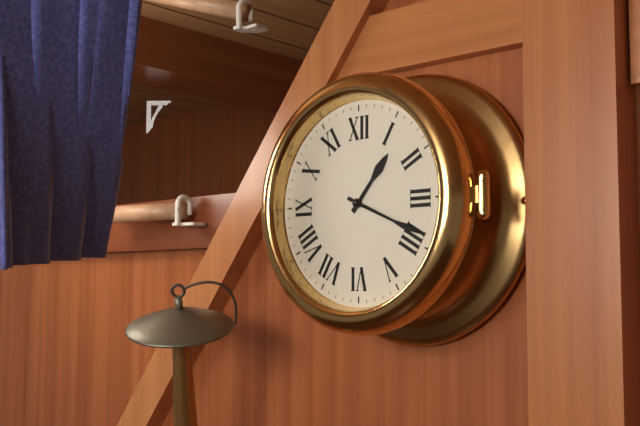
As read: 1:19
